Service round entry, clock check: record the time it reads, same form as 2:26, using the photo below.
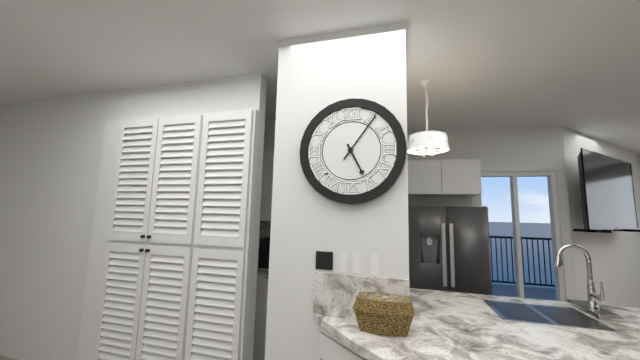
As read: 5:06
